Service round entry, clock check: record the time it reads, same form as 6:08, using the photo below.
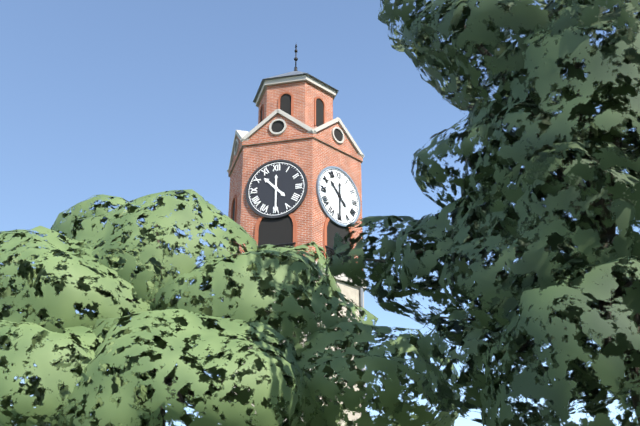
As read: 10:30
